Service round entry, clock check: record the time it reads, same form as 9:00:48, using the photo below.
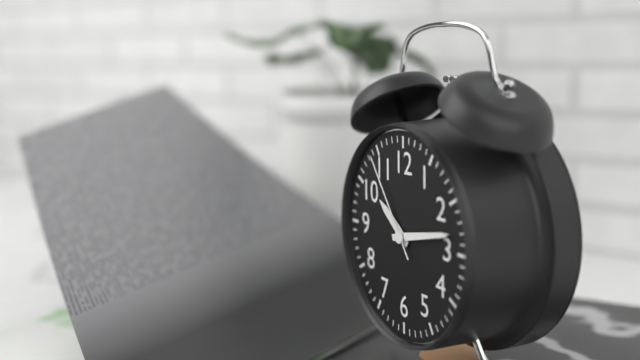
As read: 10:13:54
